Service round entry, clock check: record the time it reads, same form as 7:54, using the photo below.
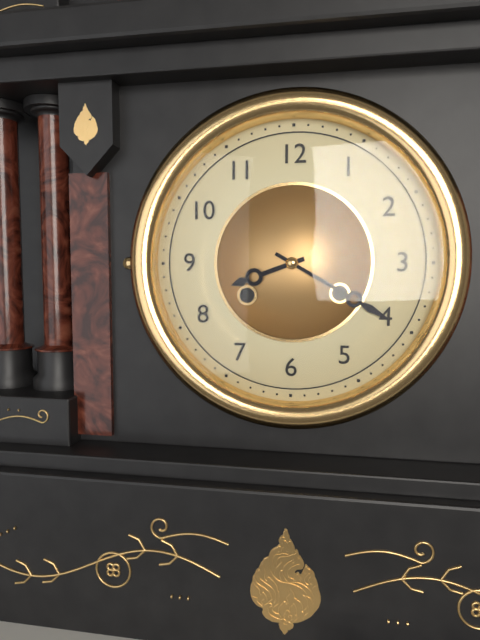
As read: 8:20
